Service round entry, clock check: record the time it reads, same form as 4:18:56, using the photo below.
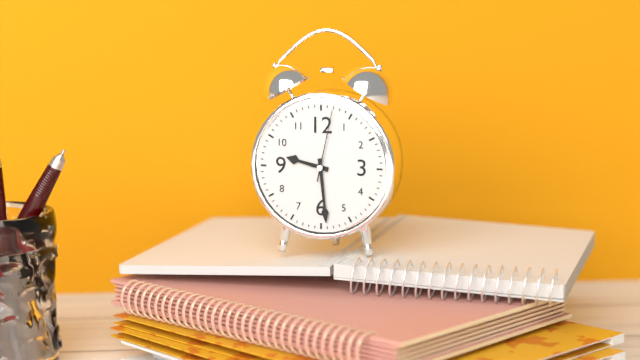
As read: 9:29:02
